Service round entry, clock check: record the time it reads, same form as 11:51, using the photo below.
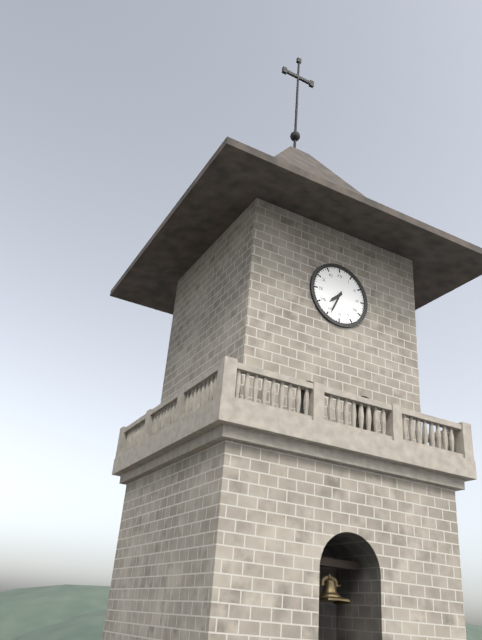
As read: 7:34
